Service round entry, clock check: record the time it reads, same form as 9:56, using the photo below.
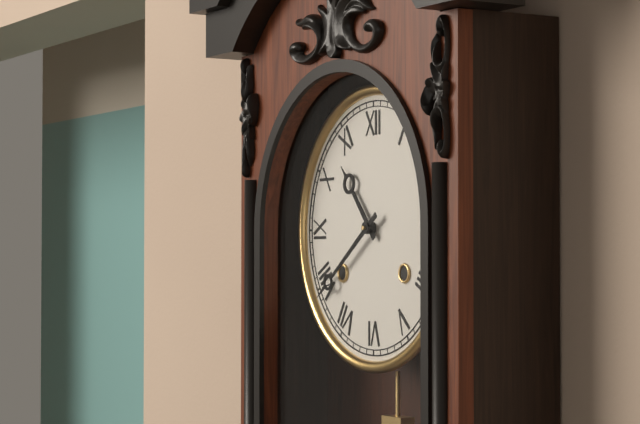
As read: 10:39
